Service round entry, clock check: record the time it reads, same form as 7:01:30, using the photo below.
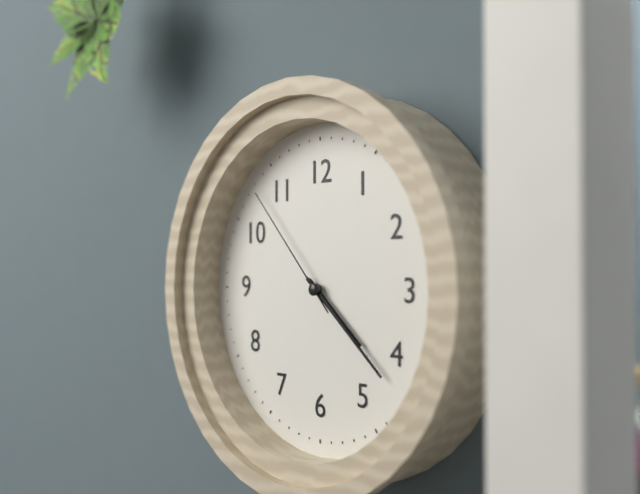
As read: 4:22:53
